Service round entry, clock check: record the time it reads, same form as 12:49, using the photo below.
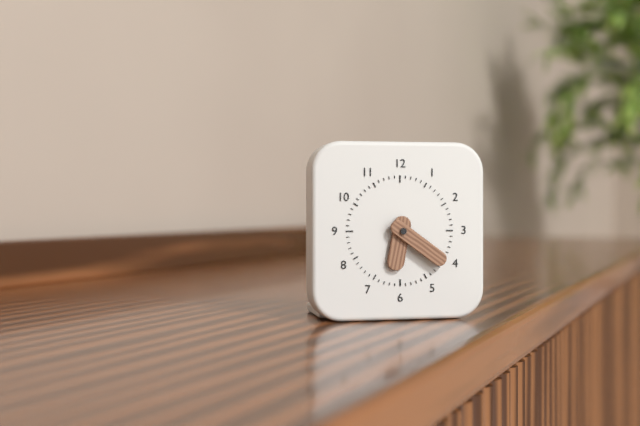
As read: 6:21
